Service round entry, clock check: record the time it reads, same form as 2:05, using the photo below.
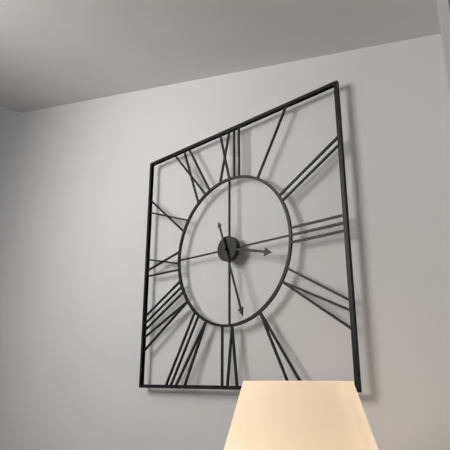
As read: 3:27
